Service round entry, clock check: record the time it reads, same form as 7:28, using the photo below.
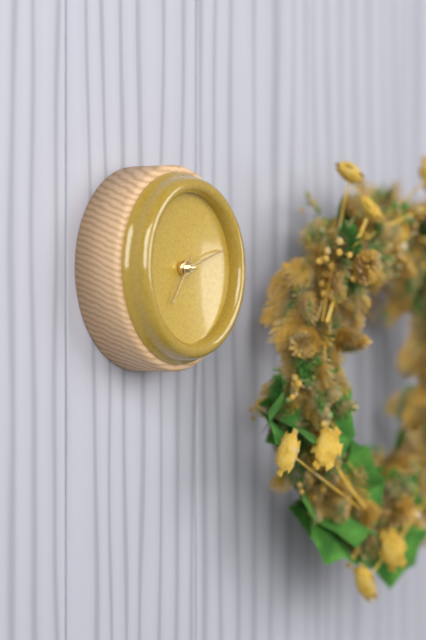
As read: 7:12
